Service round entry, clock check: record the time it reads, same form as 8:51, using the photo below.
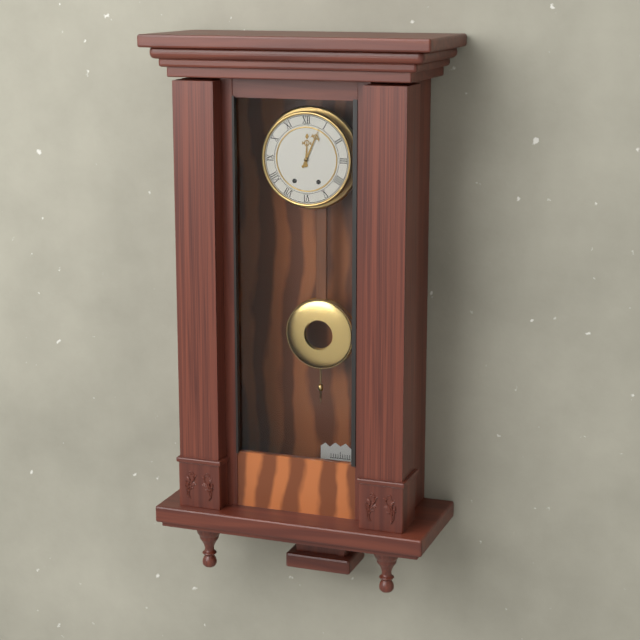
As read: 12:04
